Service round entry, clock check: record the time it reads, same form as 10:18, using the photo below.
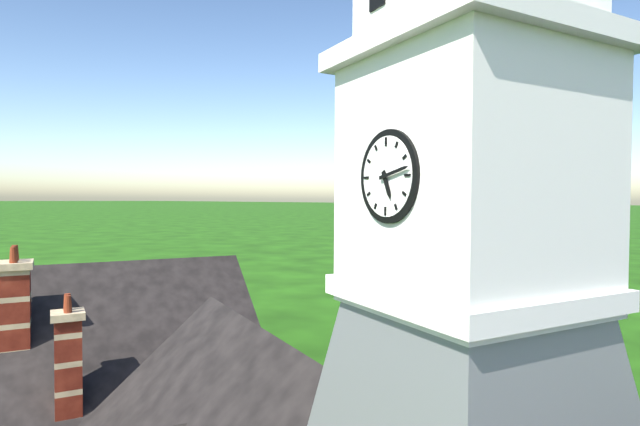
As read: 5:13
